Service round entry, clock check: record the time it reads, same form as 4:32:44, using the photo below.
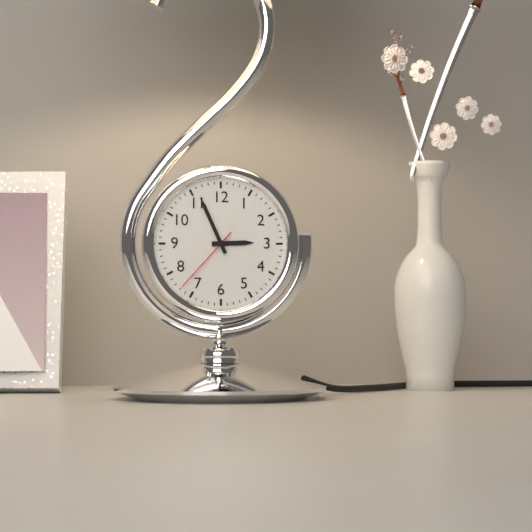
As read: 2:56:37
